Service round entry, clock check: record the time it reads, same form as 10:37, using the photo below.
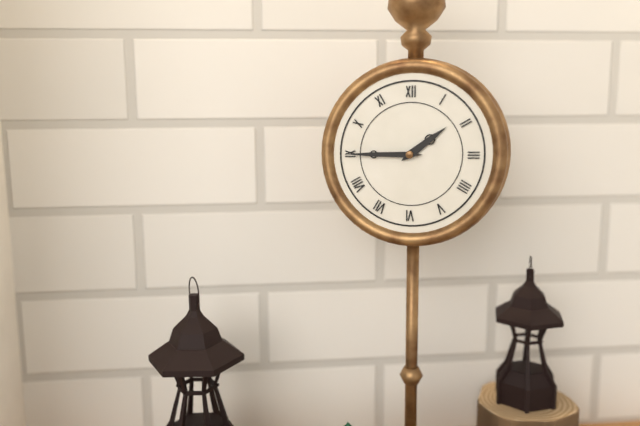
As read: 1:45
